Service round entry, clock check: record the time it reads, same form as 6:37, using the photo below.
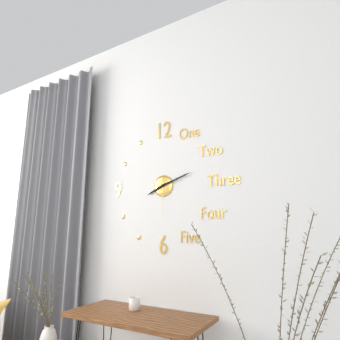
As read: 8:12
